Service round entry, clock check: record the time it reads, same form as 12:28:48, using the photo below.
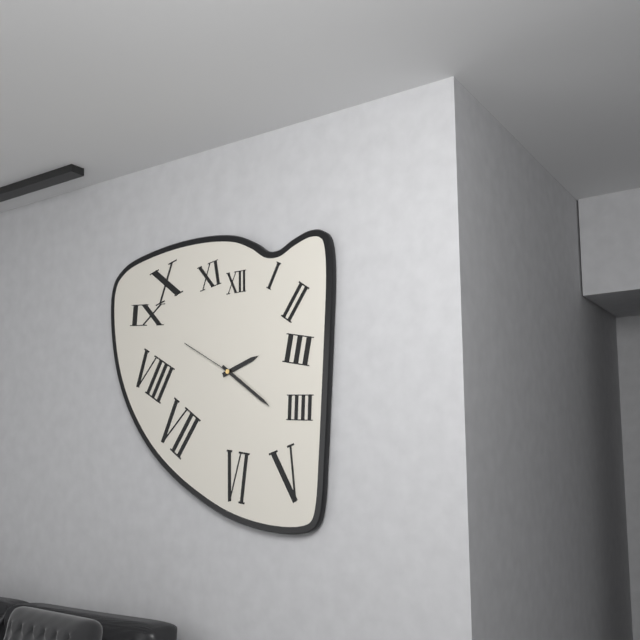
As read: 2:21:50
